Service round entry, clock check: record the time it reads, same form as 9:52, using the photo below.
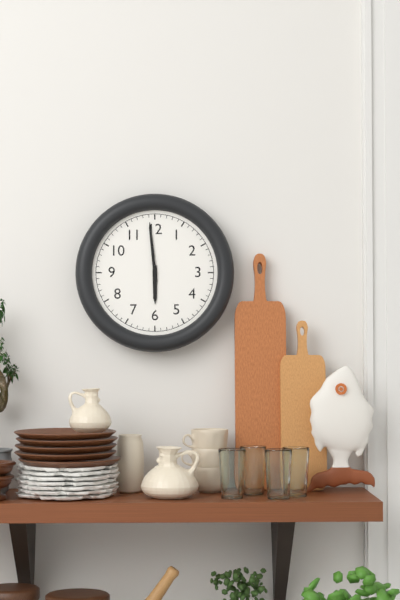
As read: 5:59
